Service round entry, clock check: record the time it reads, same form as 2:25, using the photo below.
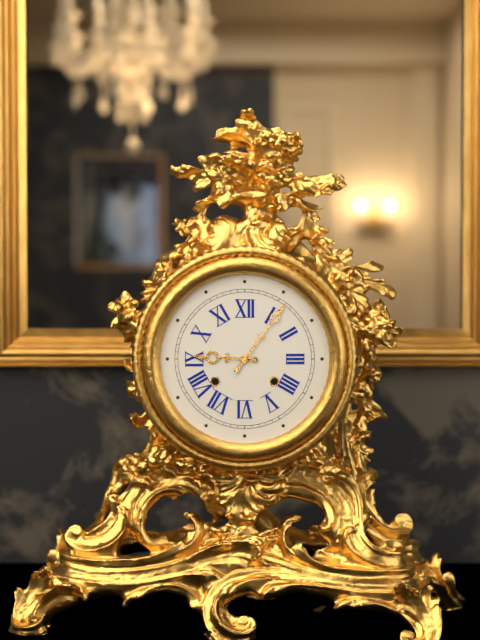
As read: 9:06
